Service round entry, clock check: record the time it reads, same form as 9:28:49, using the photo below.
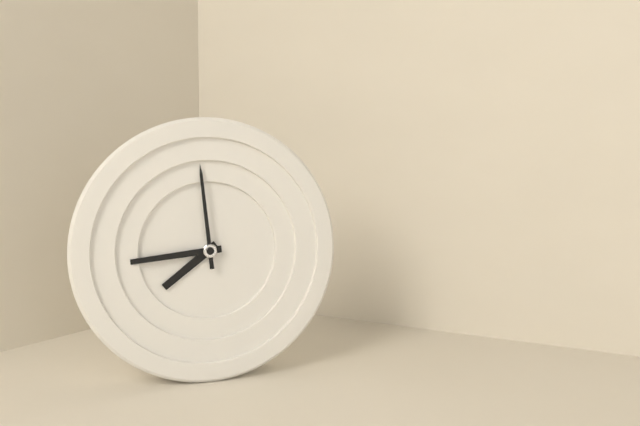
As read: 7:44:59
